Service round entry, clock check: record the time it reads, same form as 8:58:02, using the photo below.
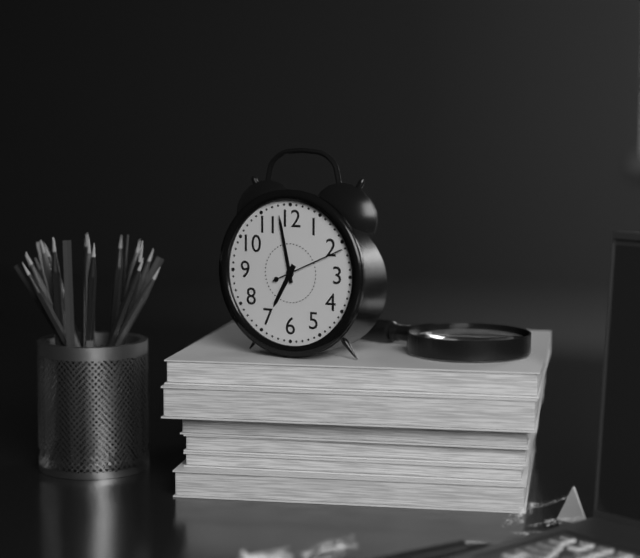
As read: 6:58:11
